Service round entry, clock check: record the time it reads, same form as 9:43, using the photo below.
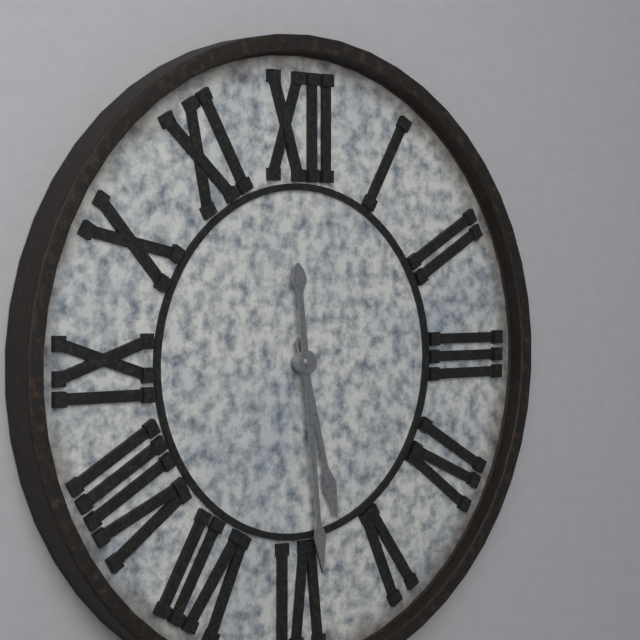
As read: 5:29
